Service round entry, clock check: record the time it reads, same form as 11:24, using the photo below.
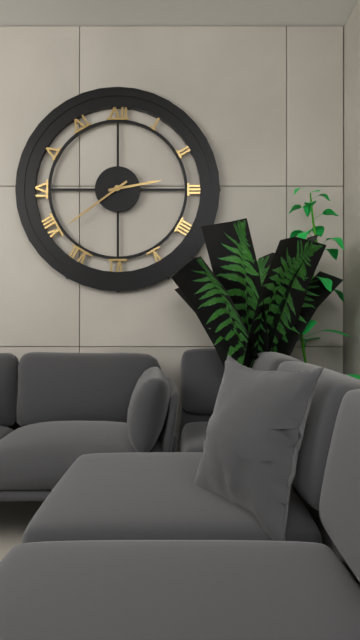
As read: 2:39
